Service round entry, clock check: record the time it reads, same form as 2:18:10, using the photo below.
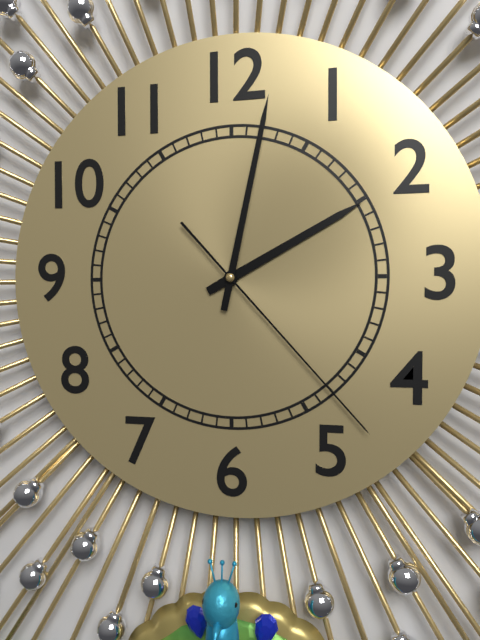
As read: 2:02:23
